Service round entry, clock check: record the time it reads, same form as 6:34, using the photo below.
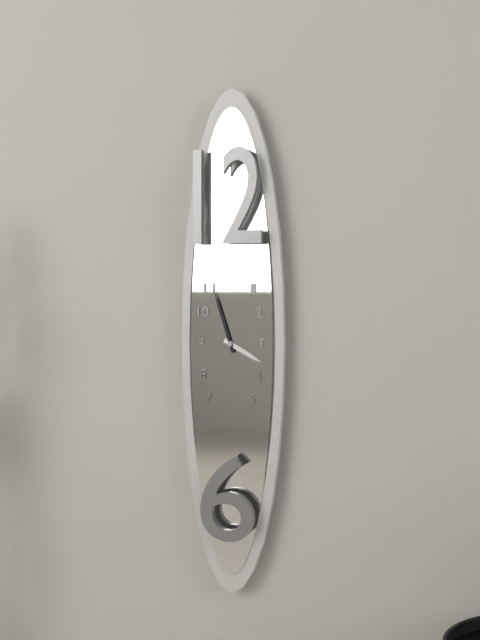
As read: 3:57
